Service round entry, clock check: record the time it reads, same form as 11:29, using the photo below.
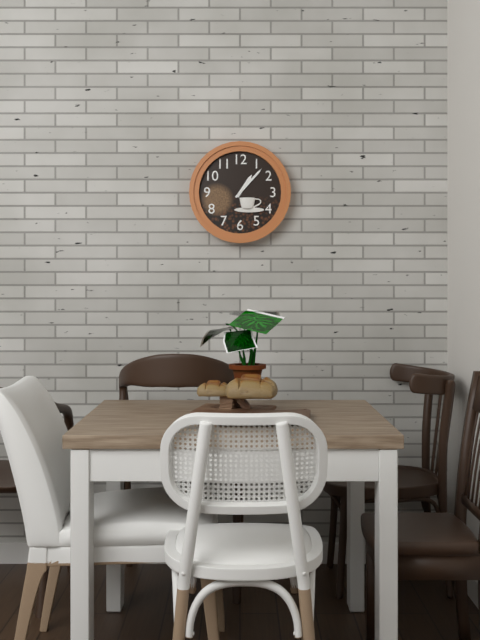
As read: 1:07
